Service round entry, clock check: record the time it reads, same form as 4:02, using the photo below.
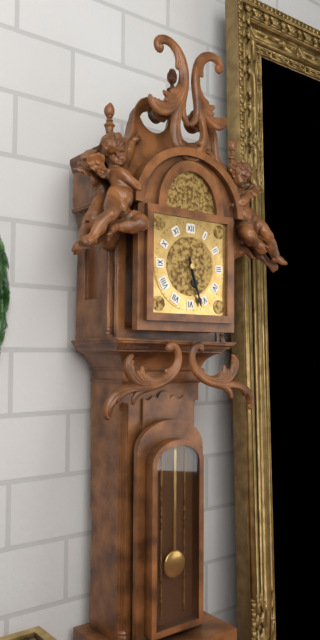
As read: 5:27
